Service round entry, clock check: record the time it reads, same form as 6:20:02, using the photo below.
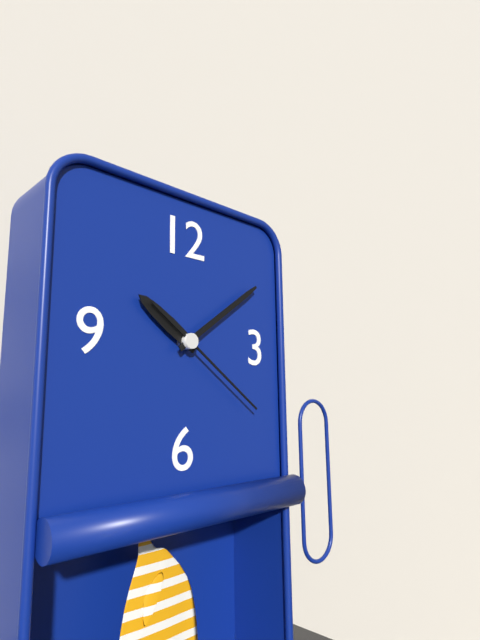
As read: 10:09:21
